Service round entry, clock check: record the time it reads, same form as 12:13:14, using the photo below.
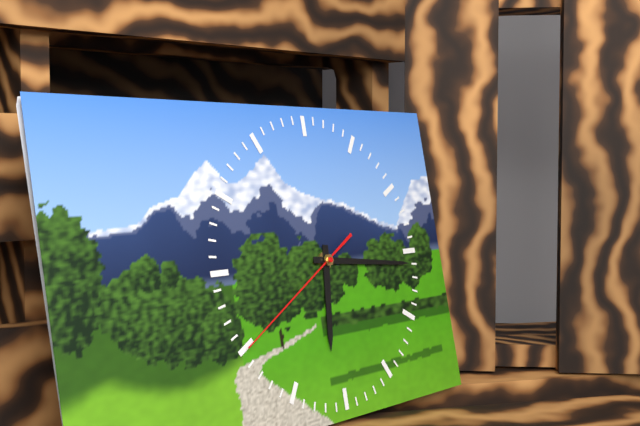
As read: 6:16:40
